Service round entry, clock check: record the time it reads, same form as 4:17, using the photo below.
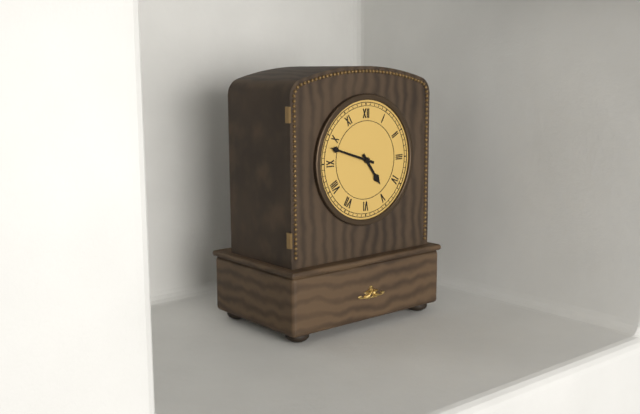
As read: 4:48
